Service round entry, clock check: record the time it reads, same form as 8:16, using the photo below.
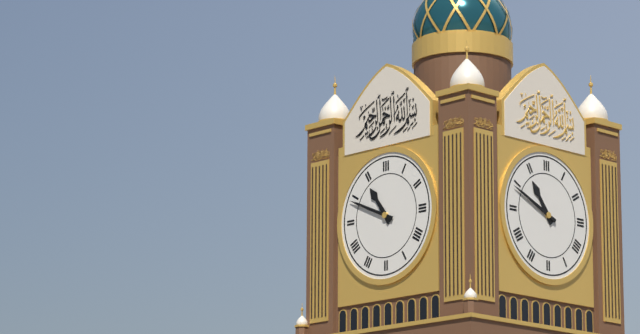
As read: 10:49
